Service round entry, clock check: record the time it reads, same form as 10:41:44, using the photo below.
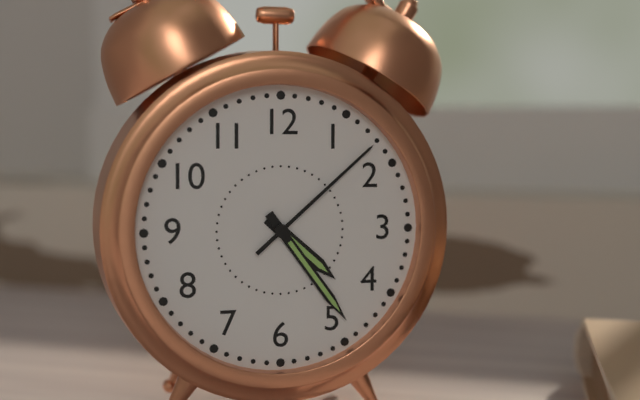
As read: 4:24:08
